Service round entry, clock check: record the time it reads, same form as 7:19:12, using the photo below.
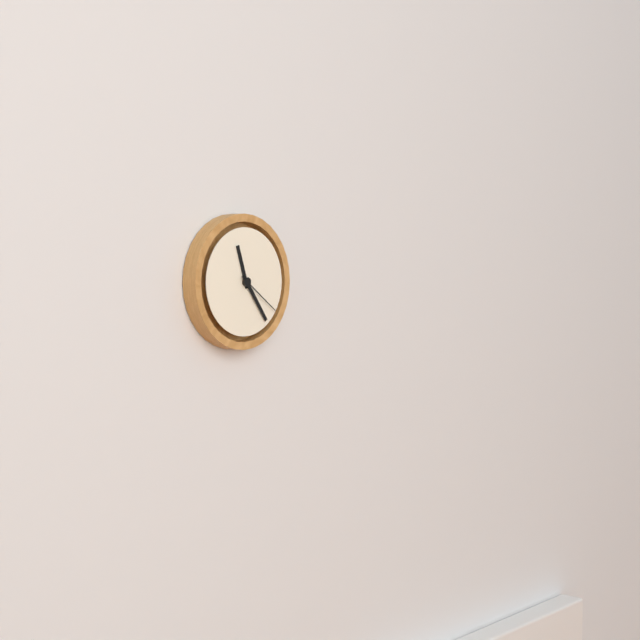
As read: 11:24:21
